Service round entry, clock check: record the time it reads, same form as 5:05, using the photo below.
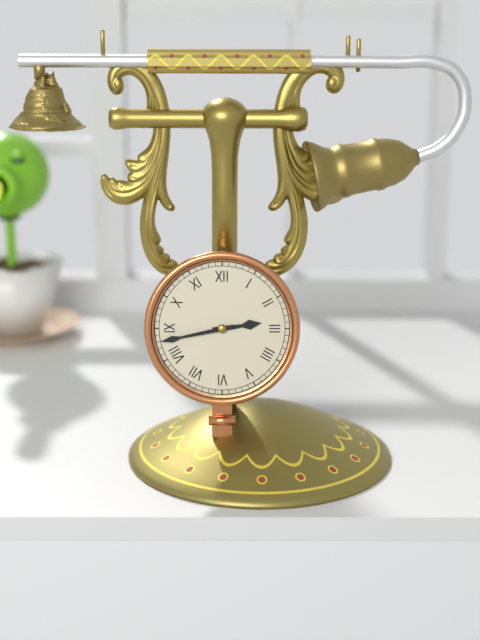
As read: 2:43
